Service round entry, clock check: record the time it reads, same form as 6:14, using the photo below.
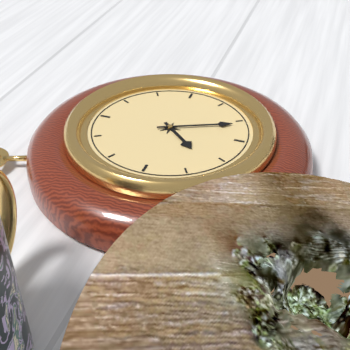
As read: 7:26
